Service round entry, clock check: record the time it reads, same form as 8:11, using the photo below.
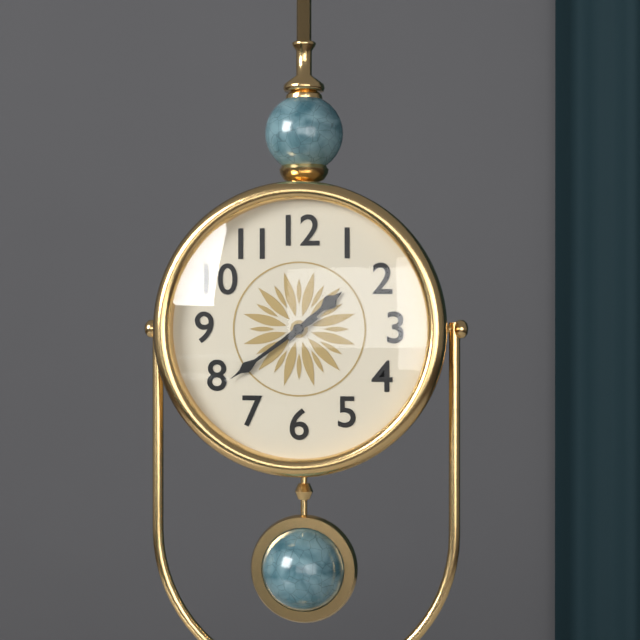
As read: 1:39
